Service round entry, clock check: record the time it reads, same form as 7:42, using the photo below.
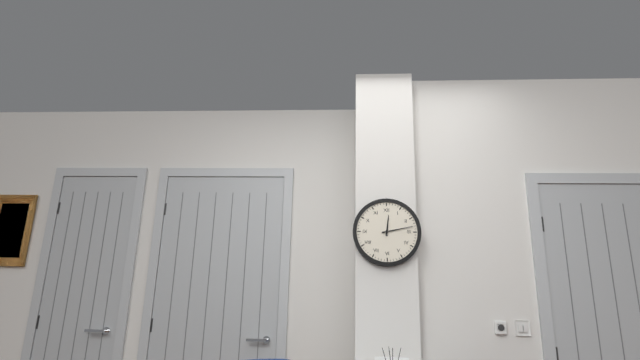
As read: 12:13
